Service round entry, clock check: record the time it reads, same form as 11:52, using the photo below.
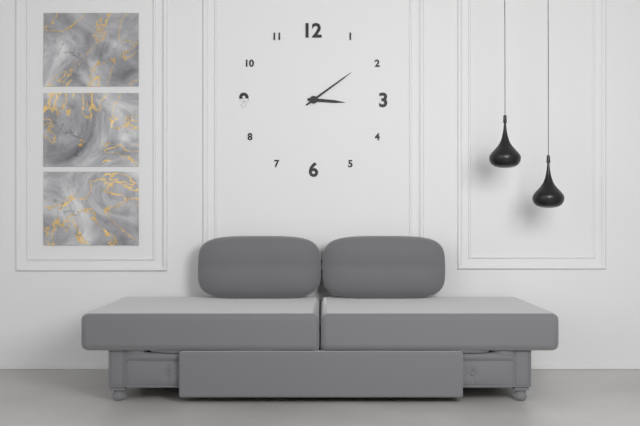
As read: 3:09
